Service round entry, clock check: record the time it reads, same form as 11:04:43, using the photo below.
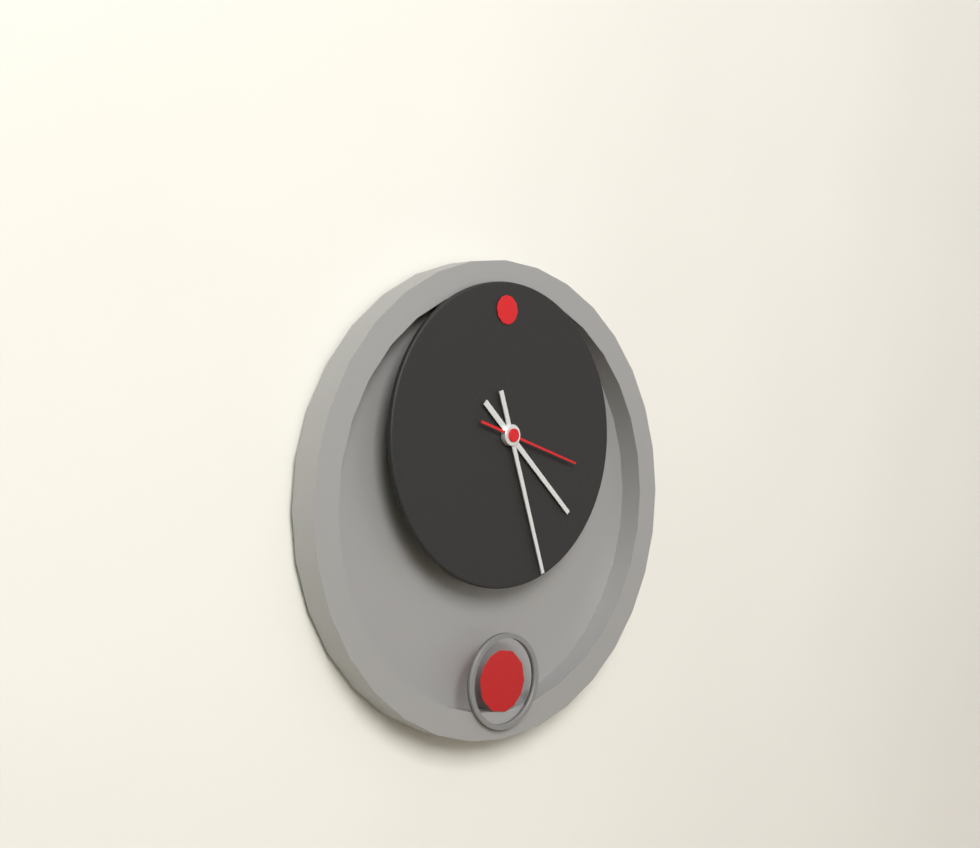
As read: 4:27:18
